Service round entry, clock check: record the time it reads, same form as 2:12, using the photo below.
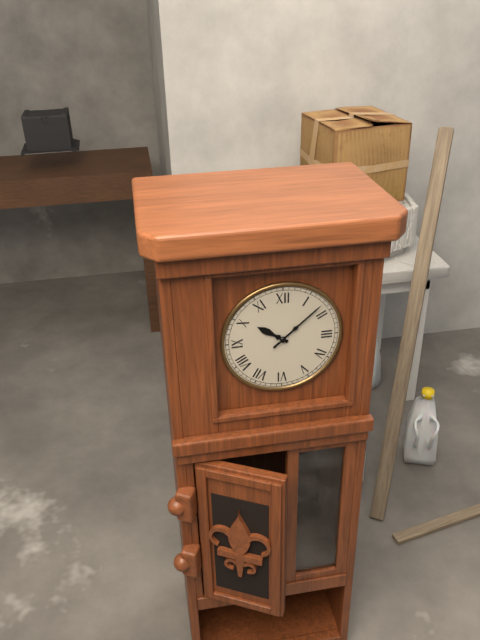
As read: 10:08
